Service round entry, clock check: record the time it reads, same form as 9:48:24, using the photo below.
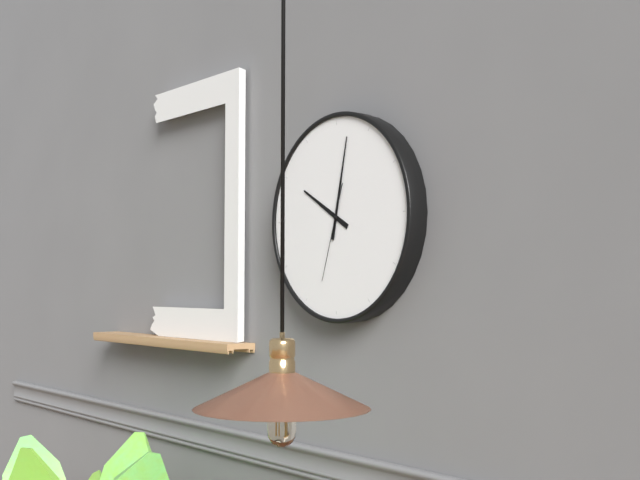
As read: 10:02:33
